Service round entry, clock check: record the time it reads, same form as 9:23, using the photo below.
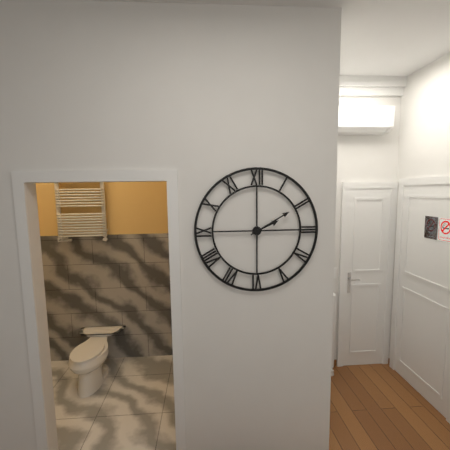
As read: 2:10
